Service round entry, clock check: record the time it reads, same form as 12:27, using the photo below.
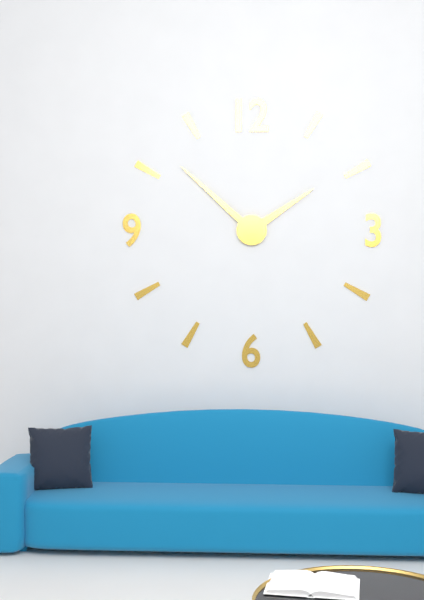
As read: 1:52
